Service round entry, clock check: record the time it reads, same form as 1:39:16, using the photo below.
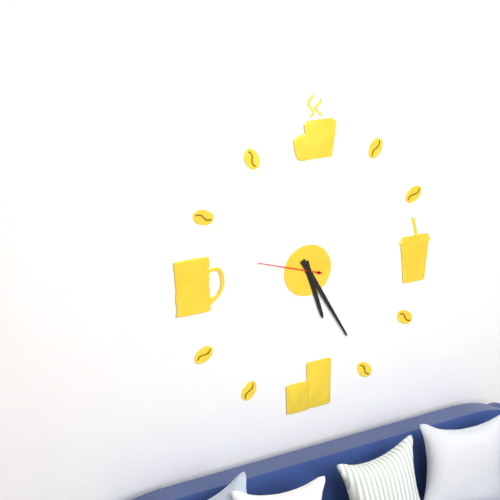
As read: 5:25:48
